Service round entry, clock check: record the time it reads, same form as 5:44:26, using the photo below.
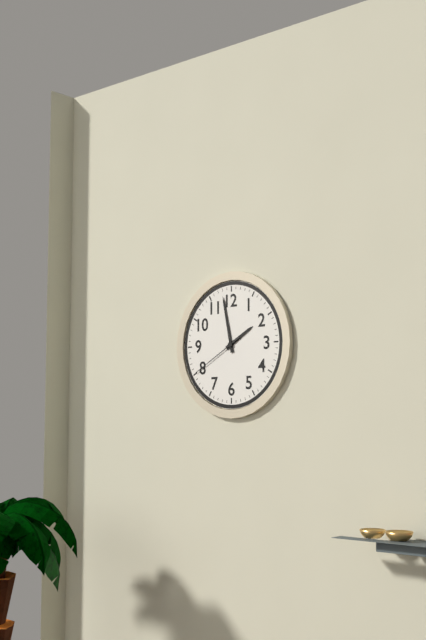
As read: 1:58:40
